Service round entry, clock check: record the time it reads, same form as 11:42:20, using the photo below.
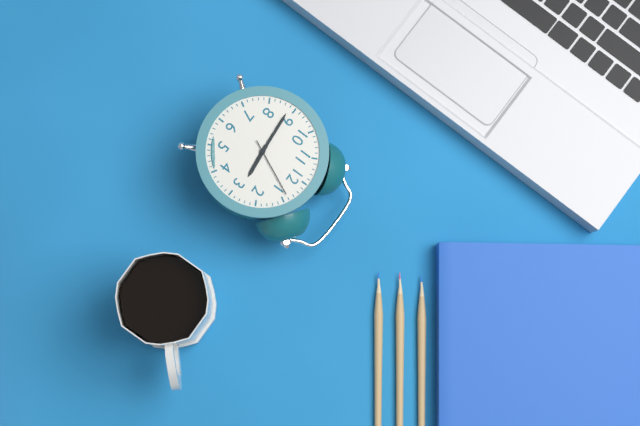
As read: 2:44:04
